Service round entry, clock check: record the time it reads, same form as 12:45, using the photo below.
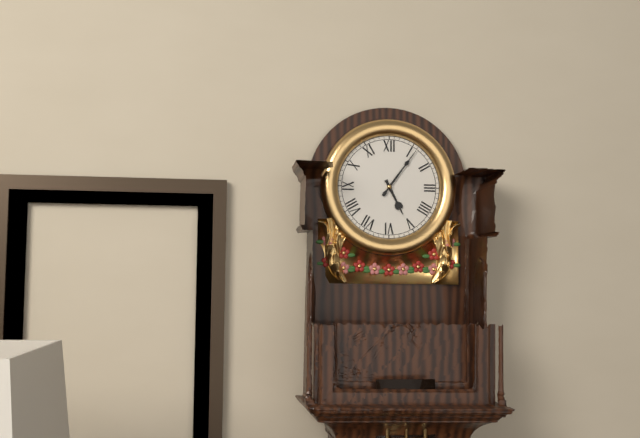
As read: 5:06
